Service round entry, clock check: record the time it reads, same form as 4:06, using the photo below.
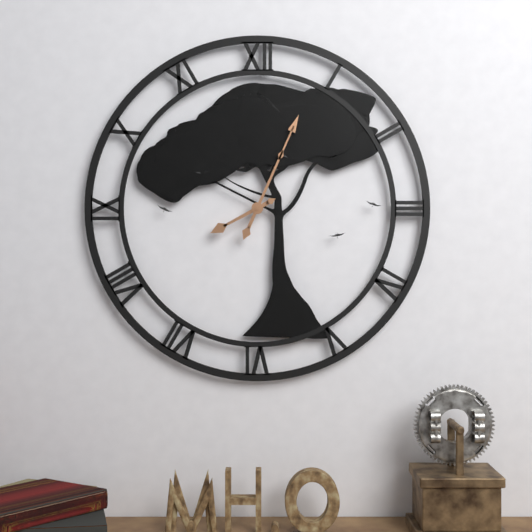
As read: 8:04
